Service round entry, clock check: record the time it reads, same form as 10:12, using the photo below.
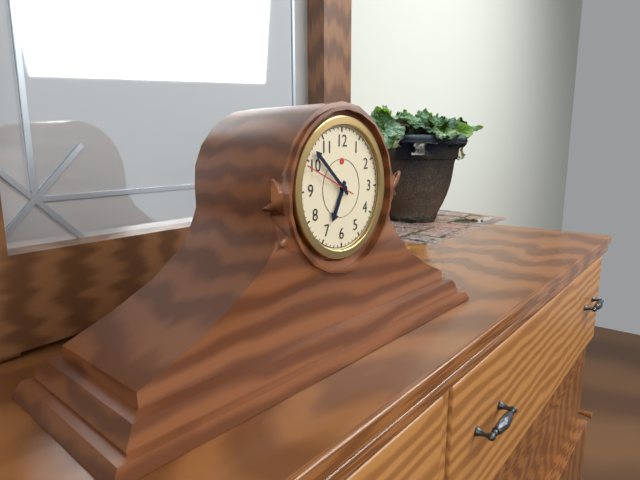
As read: 6:52
